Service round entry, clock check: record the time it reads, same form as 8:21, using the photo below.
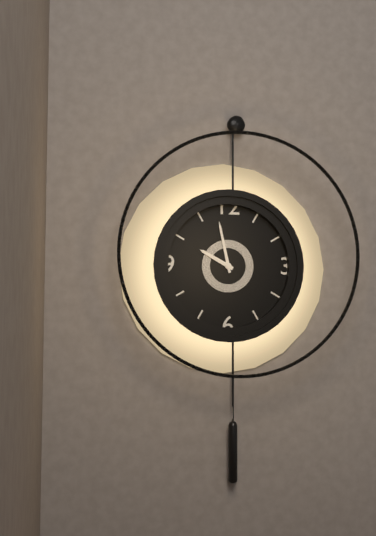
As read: 9:58
